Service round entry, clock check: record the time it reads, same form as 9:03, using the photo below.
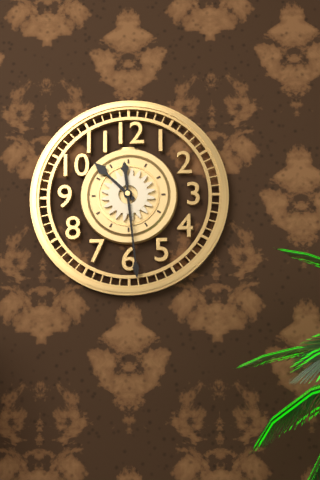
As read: 10:29
